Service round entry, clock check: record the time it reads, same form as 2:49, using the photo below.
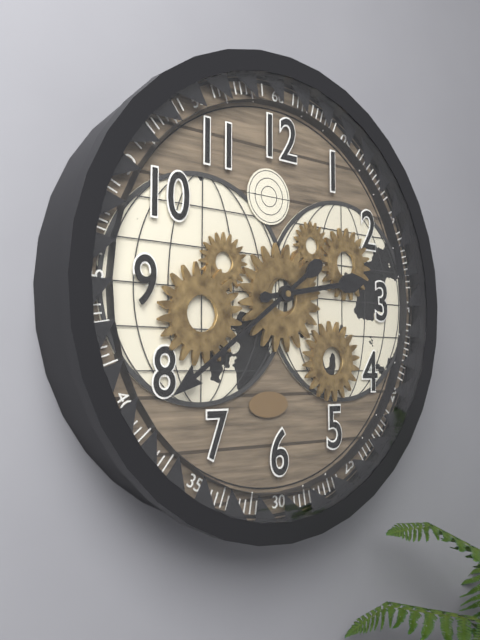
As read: 2:39
